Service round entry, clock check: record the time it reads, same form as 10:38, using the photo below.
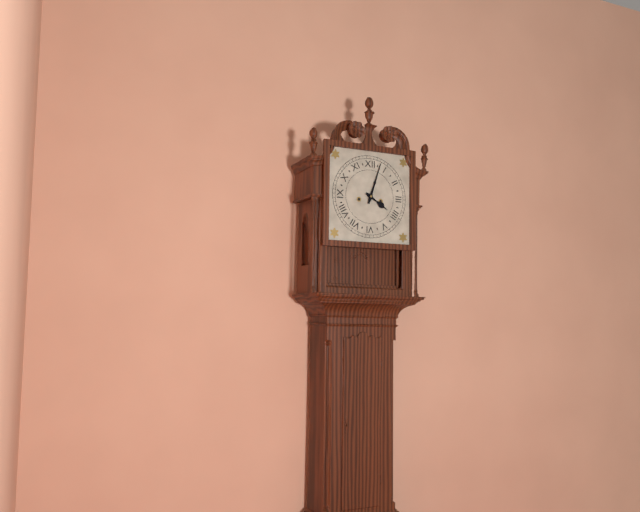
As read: 4:03
